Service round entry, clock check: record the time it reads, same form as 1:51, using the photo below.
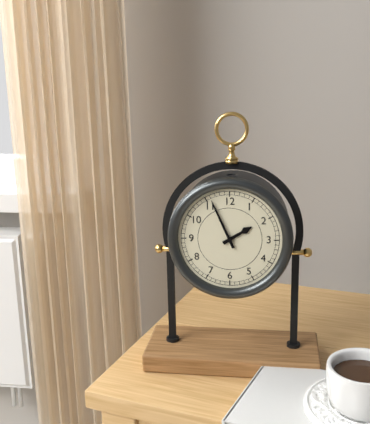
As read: 1:56
